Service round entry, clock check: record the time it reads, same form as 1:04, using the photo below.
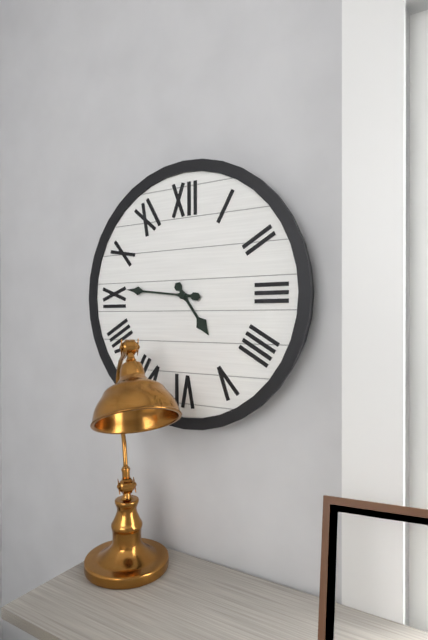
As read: 4:46
